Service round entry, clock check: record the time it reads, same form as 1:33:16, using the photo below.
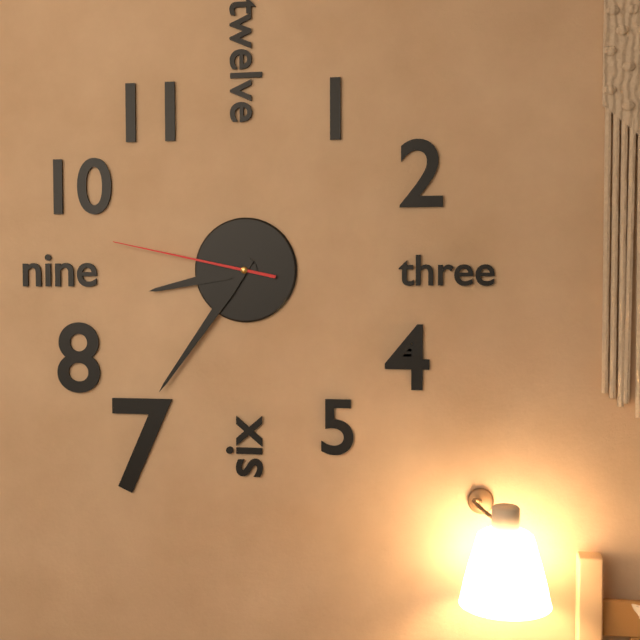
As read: 8:36:47
